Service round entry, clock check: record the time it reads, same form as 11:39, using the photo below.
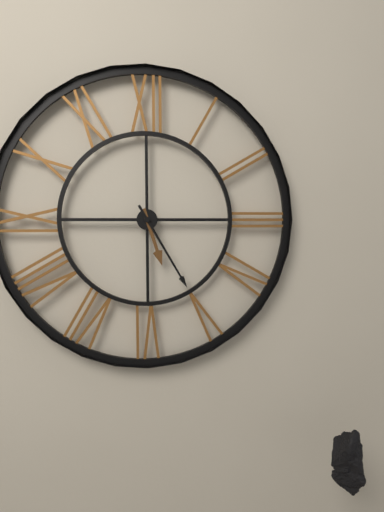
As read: 5:25
